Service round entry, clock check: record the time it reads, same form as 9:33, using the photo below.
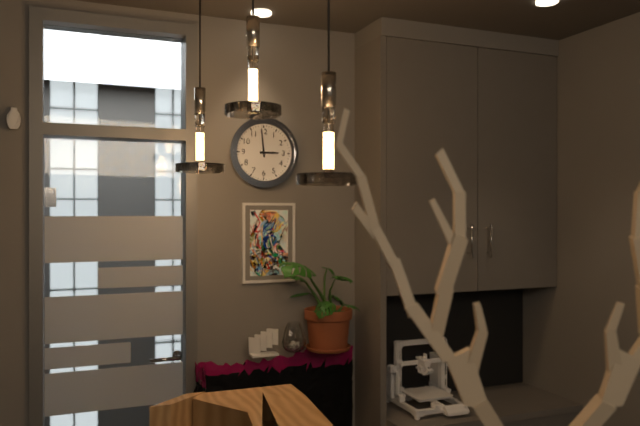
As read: 2:59
